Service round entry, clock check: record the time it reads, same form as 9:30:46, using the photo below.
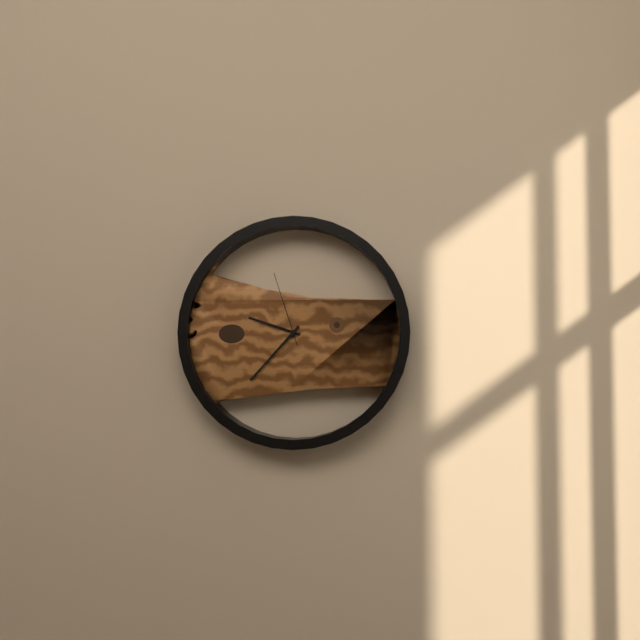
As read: 9:37:57
